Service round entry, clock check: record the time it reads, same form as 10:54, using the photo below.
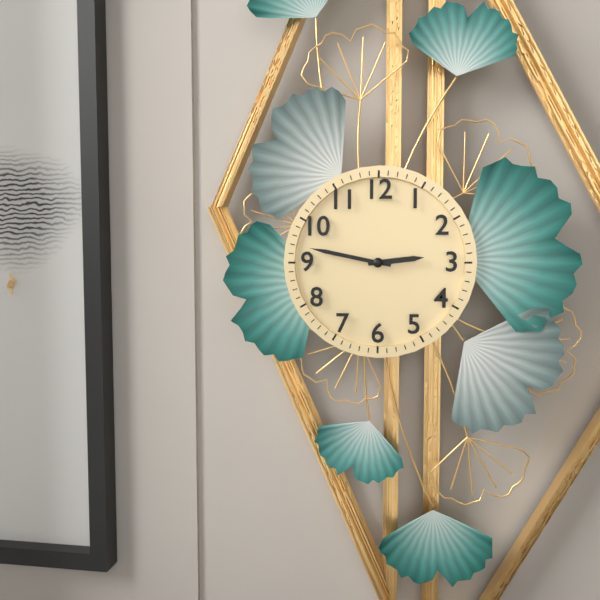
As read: 2:47
